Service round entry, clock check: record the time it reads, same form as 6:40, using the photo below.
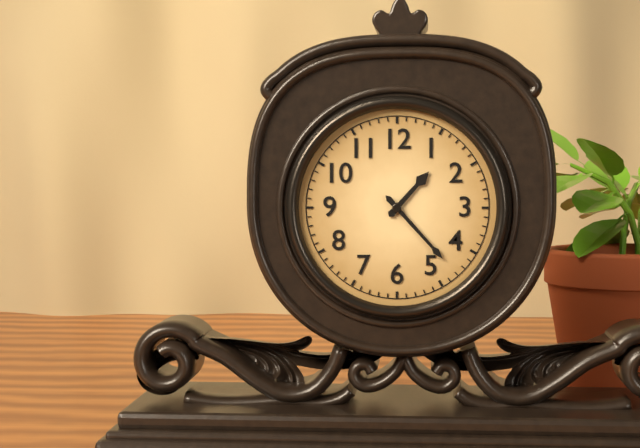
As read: 1:23
